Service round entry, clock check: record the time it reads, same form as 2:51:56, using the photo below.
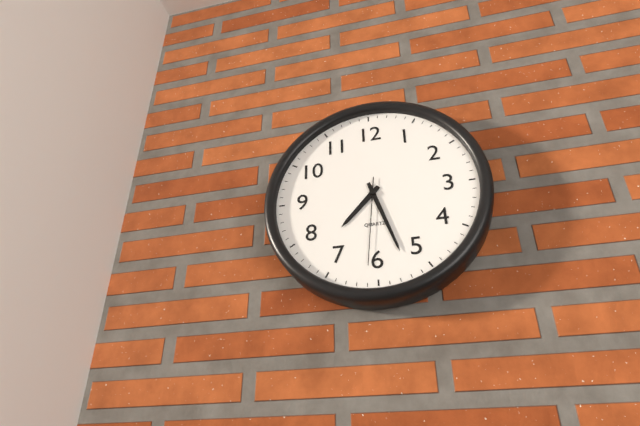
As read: 7:27:31
